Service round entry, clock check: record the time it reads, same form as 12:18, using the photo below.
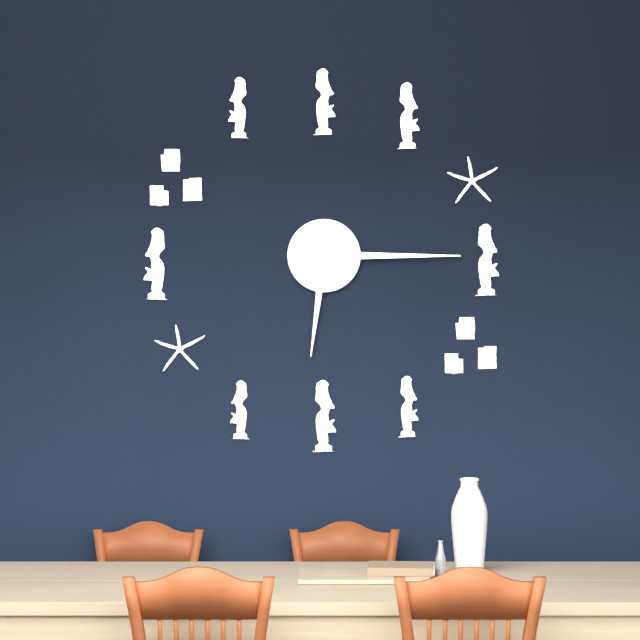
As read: 6:15
